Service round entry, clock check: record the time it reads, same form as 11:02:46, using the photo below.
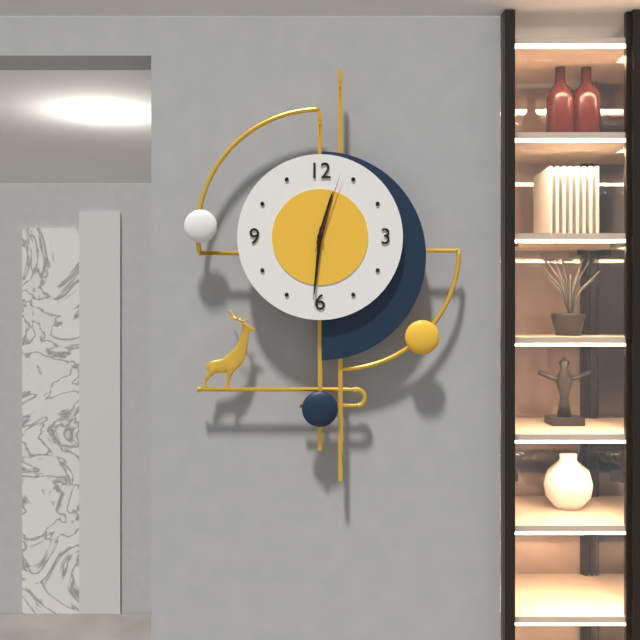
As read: 12:31:03
